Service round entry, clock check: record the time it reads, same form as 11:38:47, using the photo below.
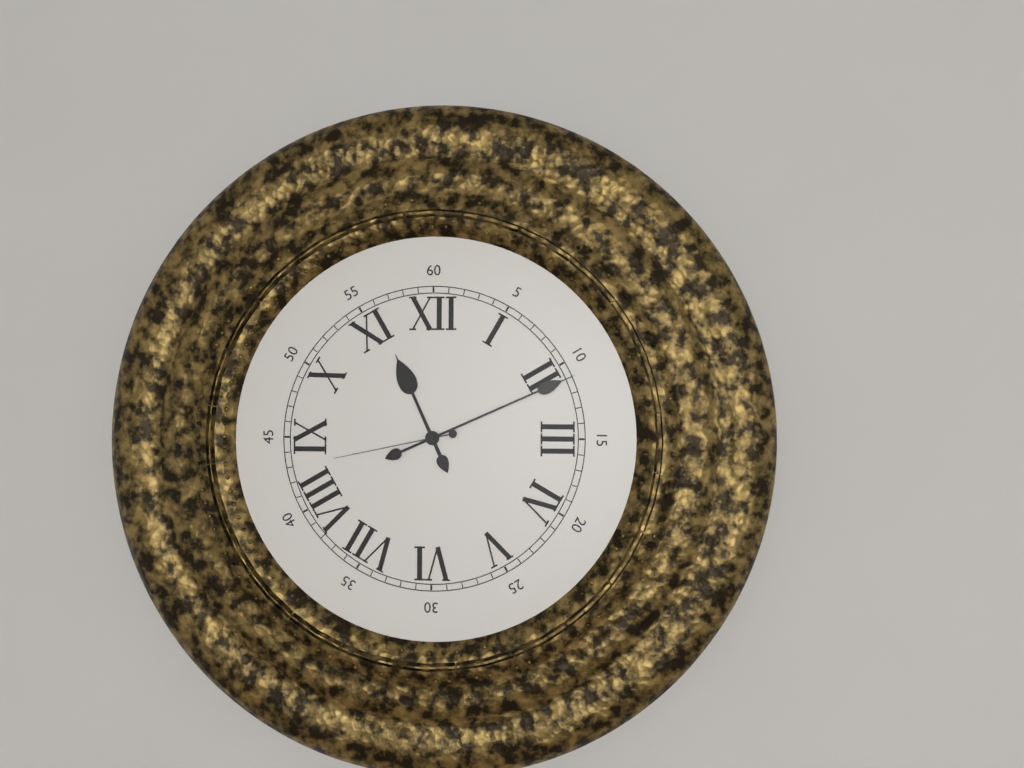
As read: 11:11:43
